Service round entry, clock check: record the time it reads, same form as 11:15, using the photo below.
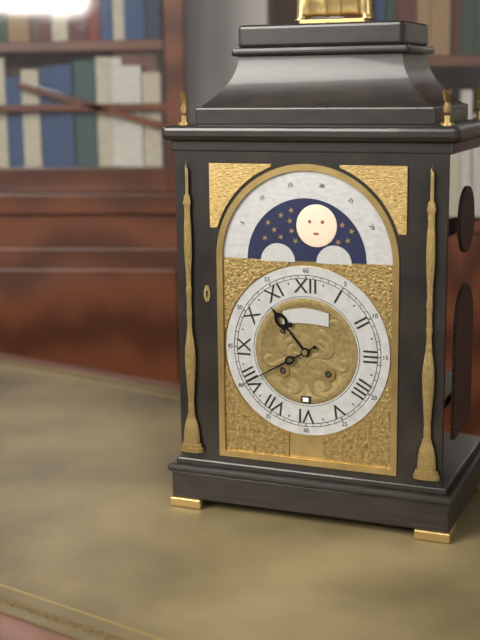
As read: 10:40
